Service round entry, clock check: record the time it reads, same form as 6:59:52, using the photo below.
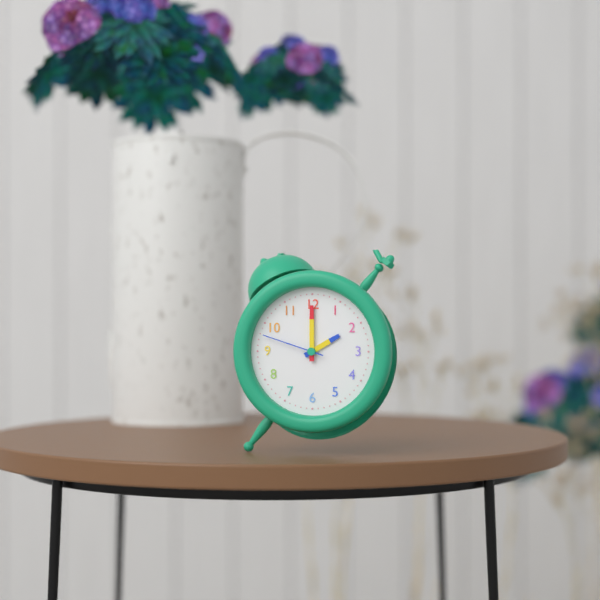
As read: 2:00:48
